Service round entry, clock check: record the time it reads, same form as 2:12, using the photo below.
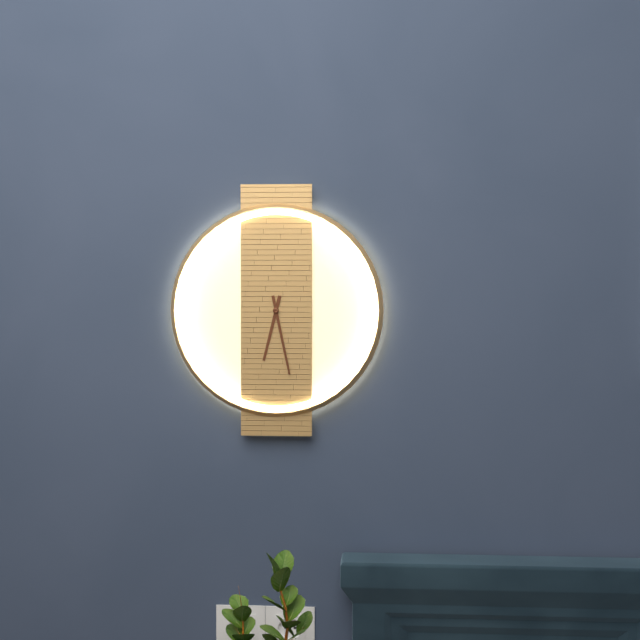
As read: 6:28
